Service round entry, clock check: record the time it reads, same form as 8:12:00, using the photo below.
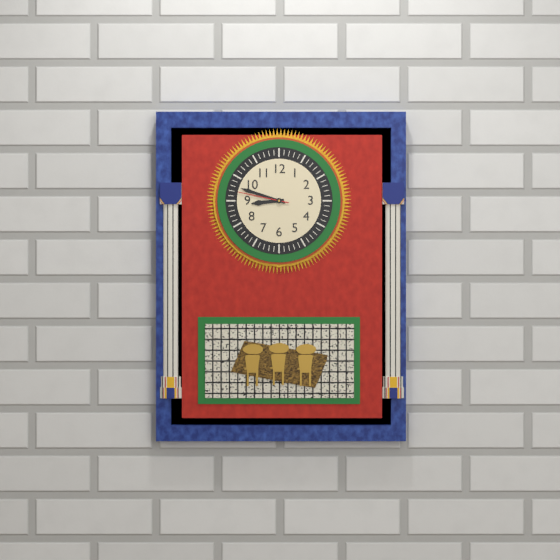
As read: 8:48:47
